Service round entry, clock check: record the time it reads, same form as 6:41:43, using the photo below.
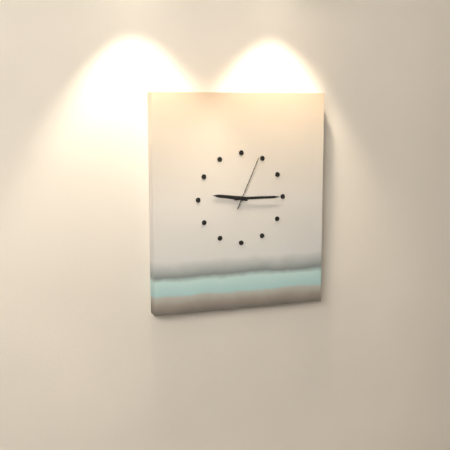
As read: 9:15:04
